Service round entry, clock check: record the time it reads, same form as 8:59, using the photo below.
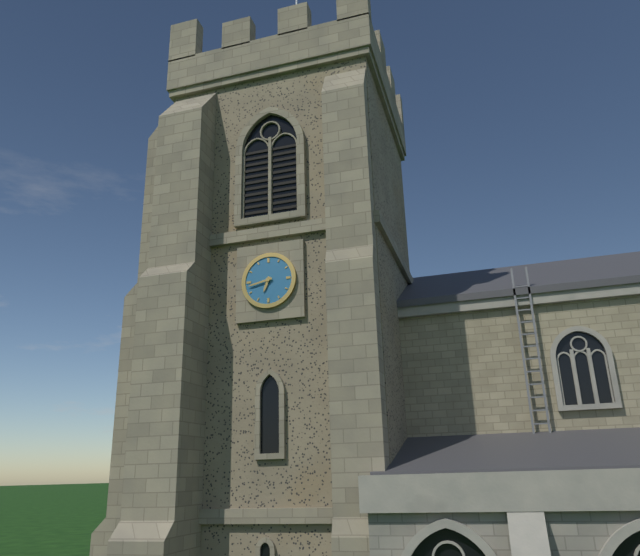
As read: 6:43
